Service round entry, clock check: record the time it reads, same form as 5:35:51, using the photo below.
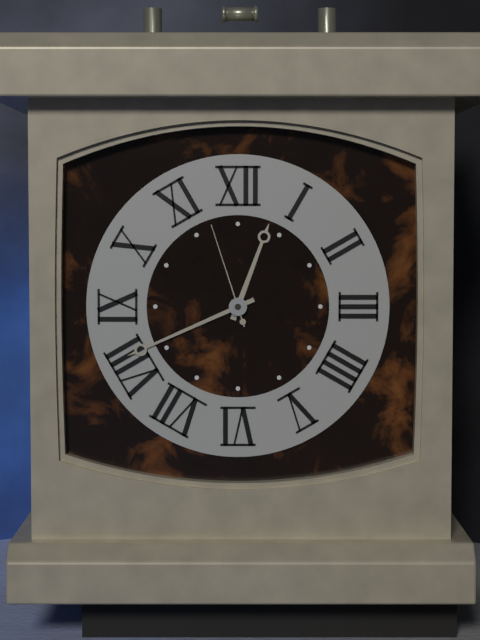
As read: 12:41:57
